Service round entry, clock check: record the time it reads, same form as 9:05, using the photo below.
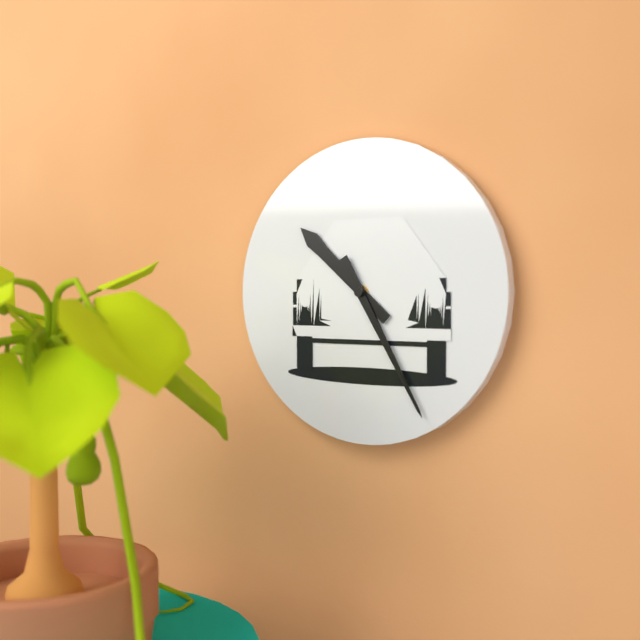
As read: 10:25
